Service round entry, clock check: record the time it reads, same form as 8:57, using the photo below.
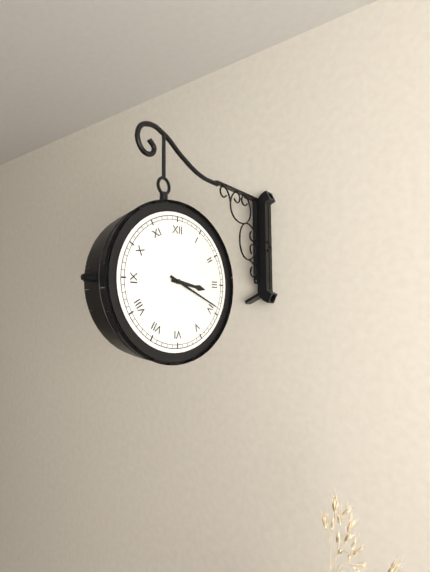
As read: 3:19
